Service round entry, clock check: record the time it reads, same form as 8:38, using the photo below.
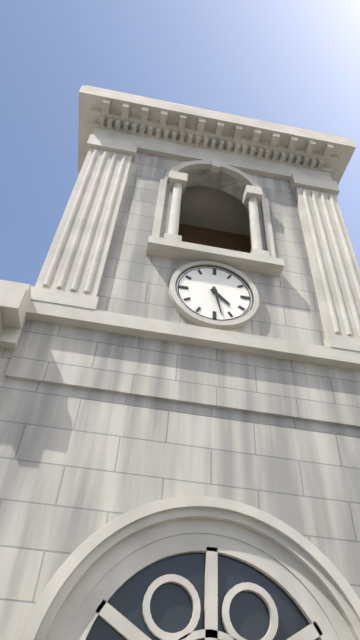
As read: 4:28
